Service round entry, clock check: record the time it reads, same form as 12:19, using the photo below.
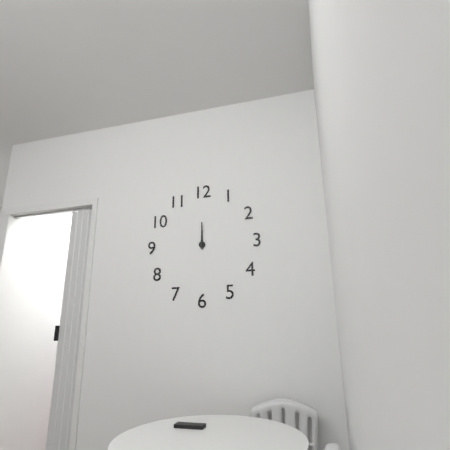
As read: 12:00
